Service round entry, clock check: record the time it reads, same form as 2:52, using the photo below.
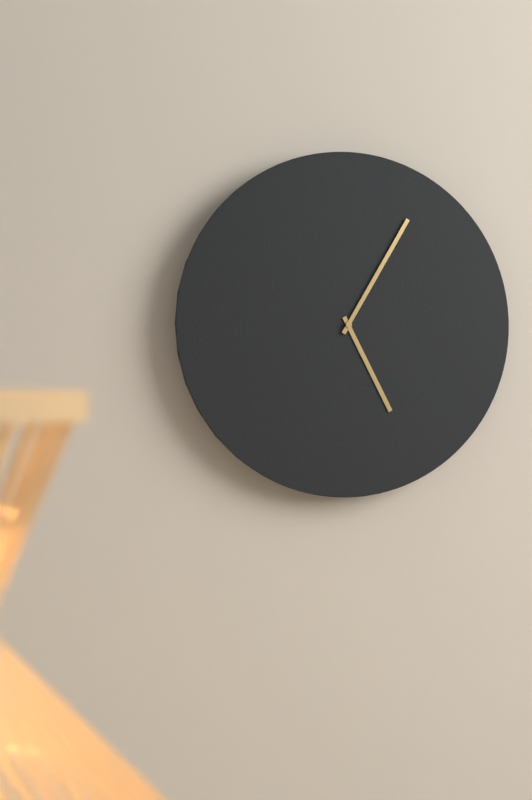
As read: 5:05
